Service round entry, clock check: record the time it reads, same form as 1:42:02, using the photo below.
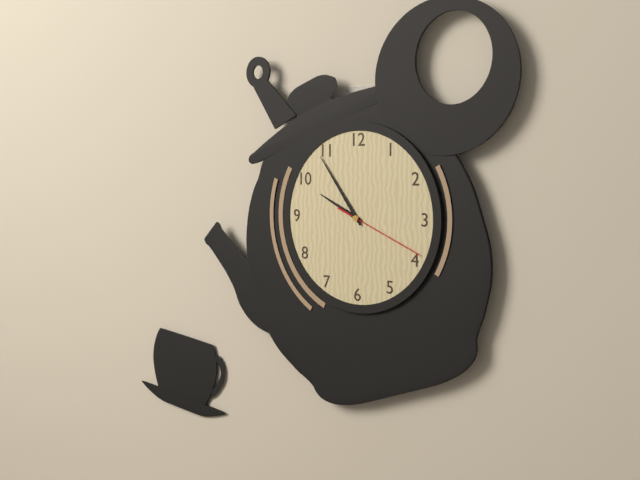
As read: 9:54:19
